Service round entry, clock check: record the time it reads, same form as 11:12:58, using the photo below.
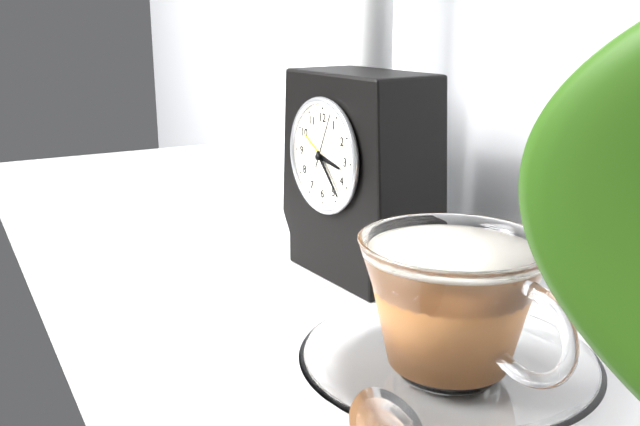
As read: 3:23:04
